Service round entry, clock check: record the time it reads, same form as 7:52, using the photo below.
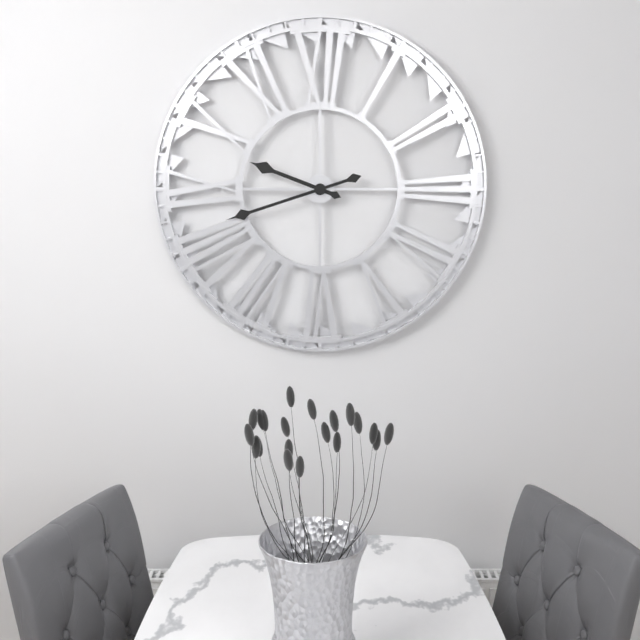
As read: 9:42
